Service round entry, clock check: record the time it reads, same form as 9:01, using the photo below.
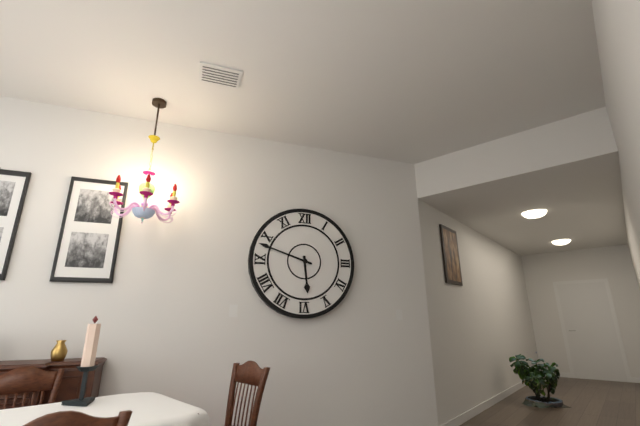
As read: 5:48
